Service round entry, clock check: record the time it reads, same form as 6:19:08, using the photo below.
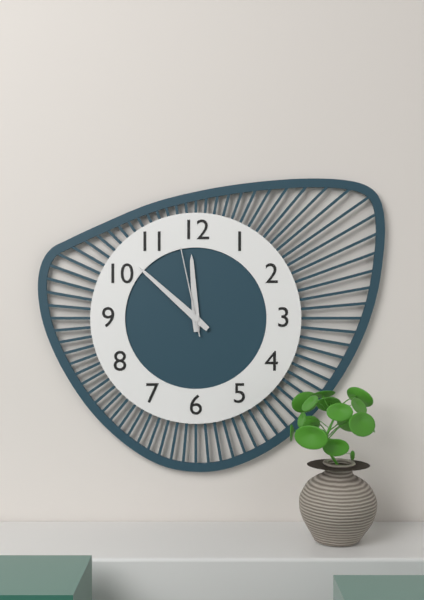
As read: 11:52:58
